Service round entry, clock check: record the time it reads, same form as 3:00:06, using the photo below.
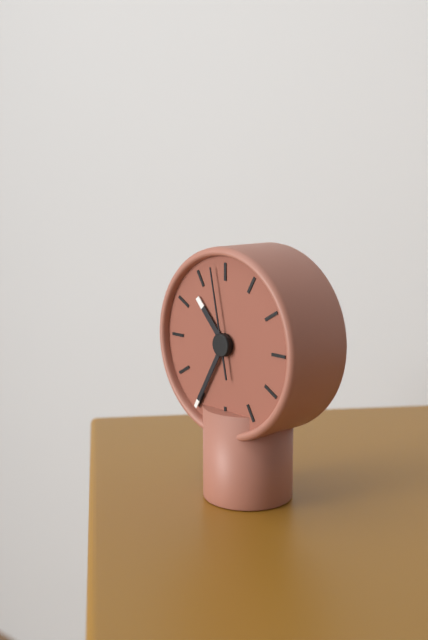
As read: 10:35:58
